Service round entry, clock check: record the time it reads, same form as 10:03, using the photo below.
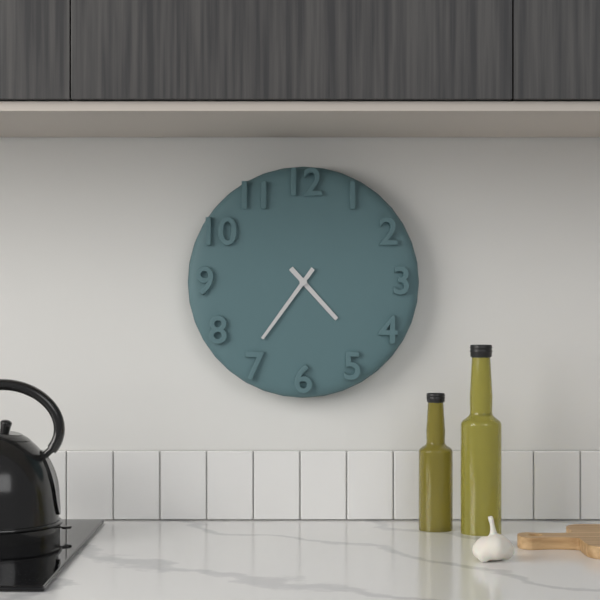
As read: 4:36
